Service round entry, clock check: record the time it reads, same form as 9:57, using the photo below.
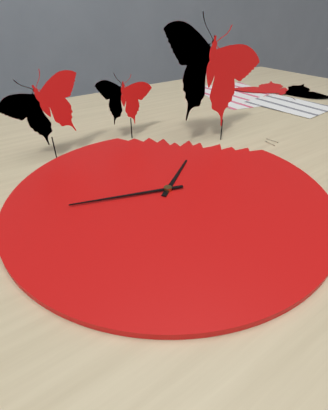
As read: 1:48
